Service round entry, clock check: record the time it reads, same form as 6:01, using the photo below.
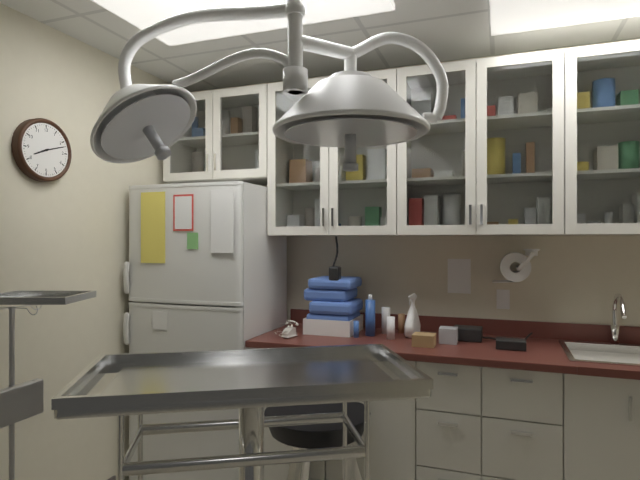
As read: 8:12
